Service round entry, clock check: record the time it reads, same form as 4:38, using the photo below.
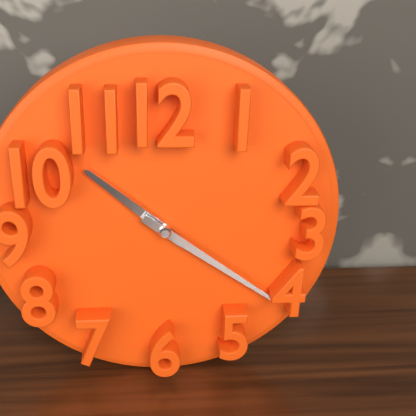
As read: 10:21
